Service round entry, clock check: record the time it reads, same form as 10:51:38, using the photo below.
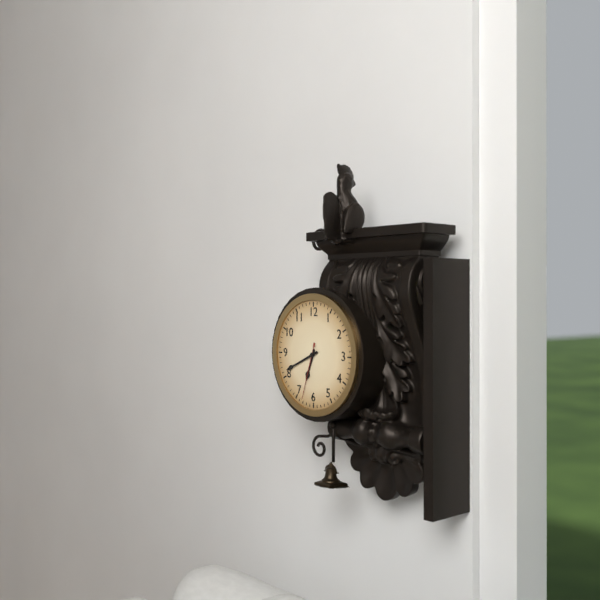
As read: 6:41:33
